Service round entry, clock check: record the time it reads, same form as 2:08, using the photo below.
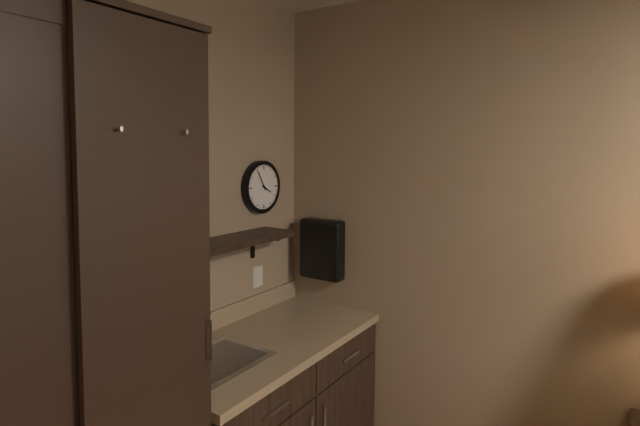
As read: 3:55
